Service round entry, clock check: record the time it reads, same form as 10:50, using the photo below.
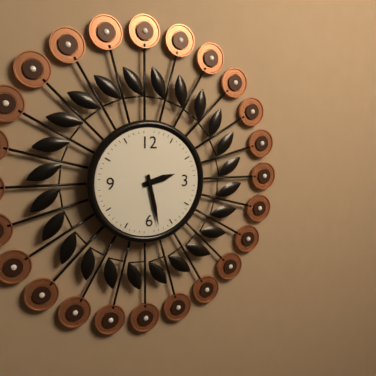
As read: 2:28
